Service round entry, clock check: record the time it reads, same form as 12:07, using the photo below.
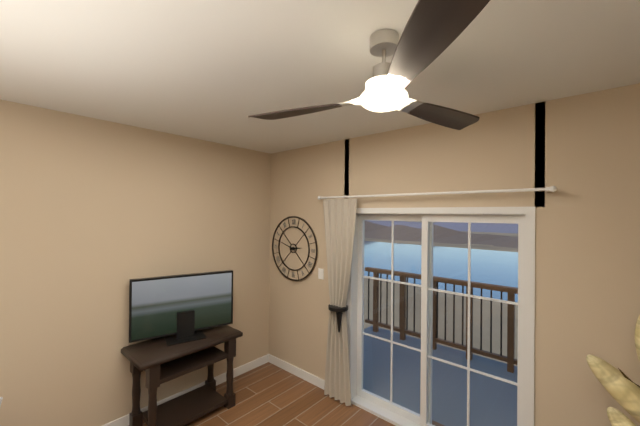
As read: 2:48
